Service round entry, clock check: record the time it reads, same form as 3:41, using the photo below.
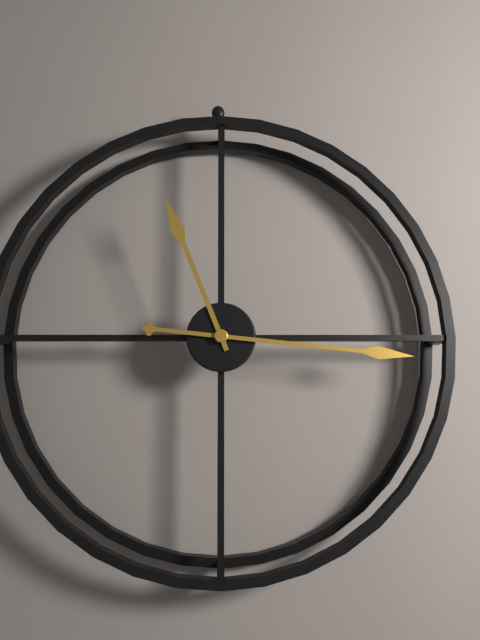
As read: 11:16
